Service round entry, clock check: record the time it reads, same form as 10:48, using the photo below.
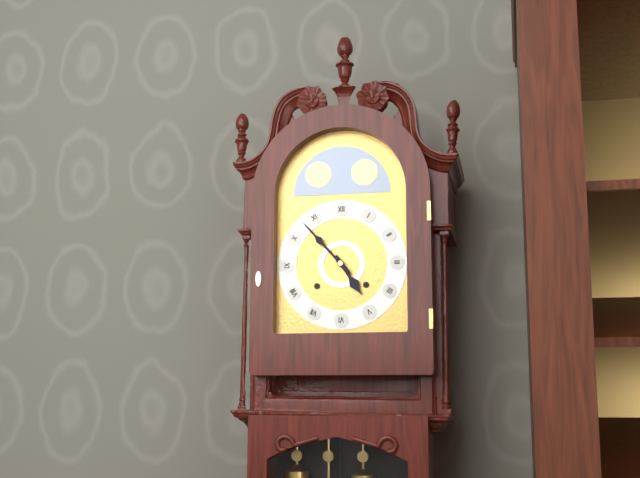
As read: 4:53
